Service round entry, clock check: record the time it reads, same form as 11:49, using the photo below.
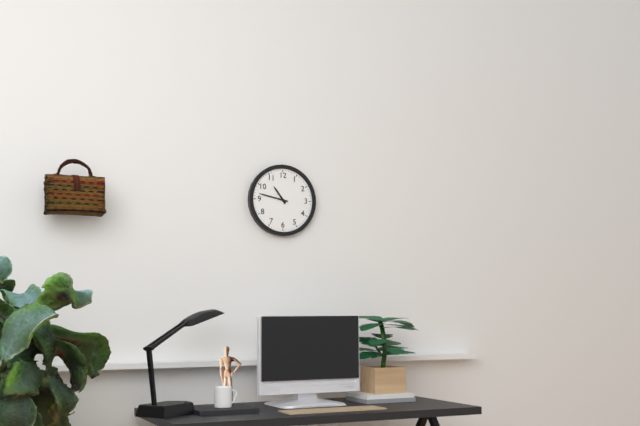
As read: 10:47
